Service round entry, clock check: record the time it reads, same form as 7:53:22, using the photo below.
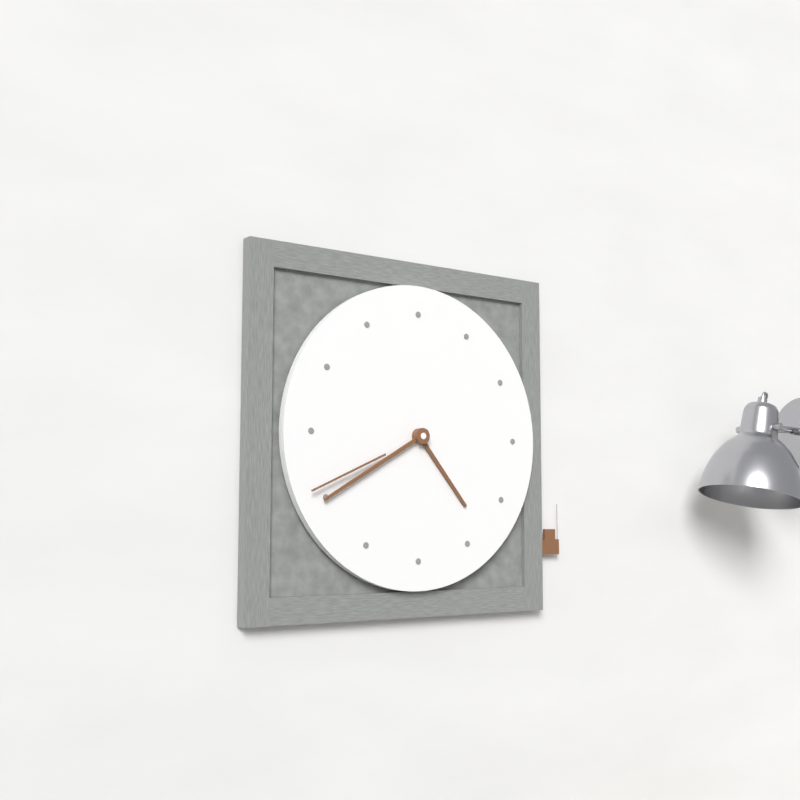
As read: 4:40:41
